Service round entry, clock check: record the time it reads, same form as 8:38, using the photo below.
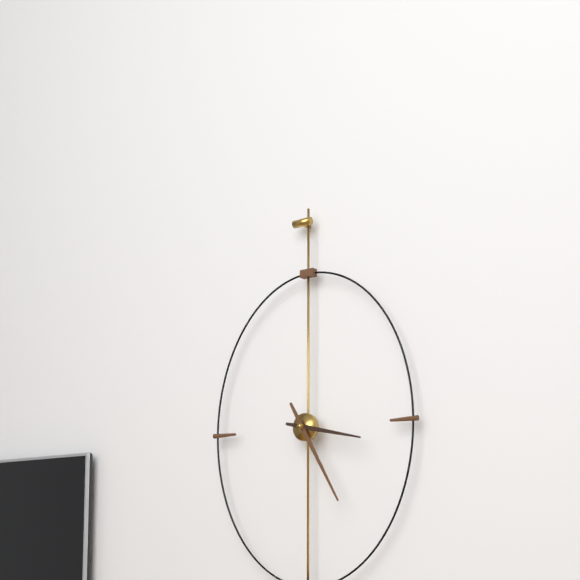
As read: 3:25
